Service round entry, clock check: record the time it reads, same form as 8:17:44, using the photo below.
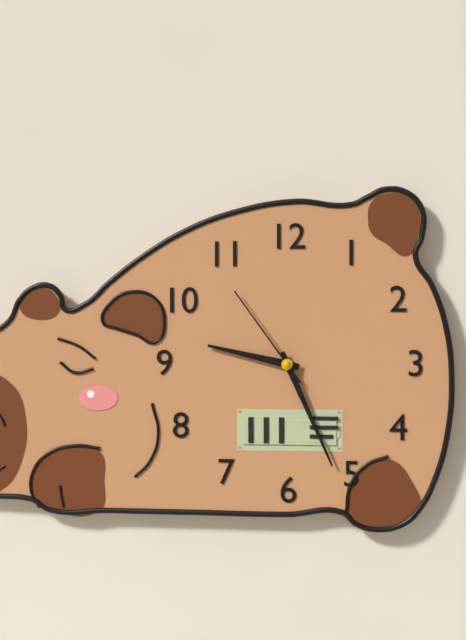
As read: 9:26:54
